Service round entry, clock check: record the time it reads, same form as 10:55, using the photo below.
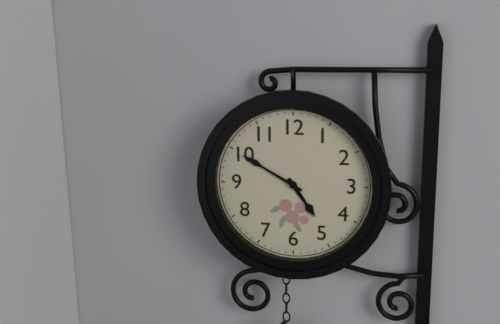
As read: 4:50
